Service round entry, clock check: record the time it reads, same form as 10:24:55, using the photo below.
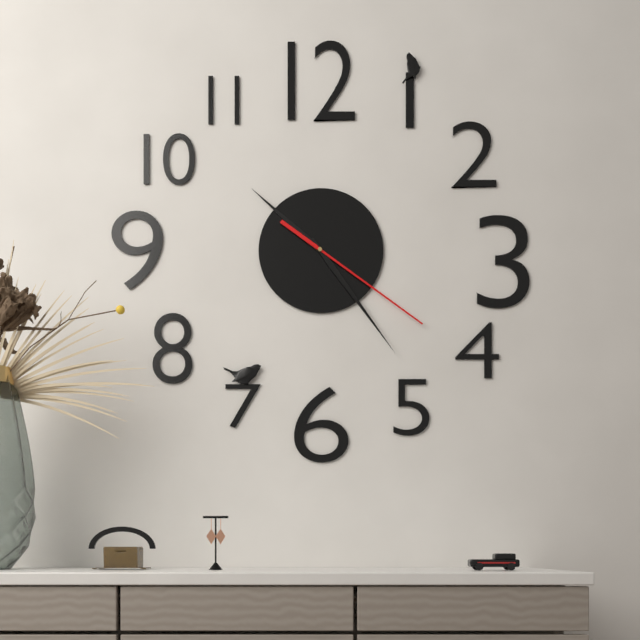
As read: 10:24:21
